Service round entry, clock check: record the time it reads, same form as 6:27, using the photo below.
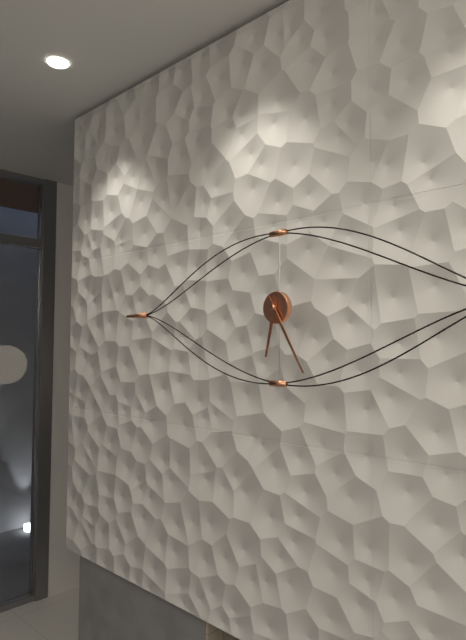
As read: 6:25
